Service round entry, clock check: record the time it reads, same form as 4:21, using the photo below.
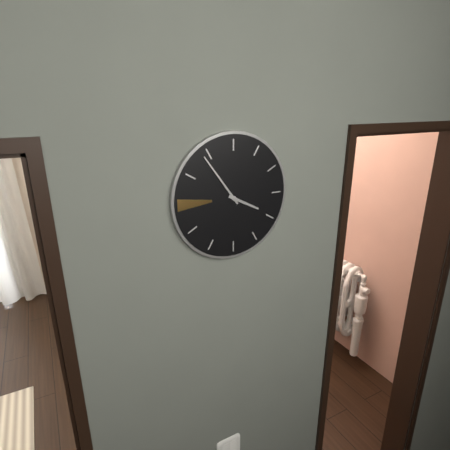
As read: 3:54
